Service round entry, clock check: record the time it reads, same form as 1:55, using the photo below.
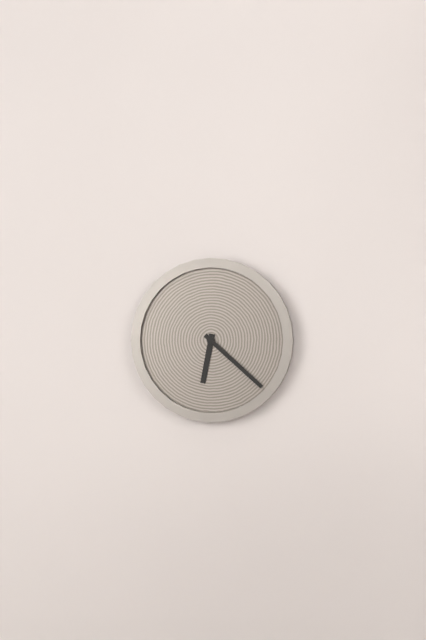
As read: 6:22
